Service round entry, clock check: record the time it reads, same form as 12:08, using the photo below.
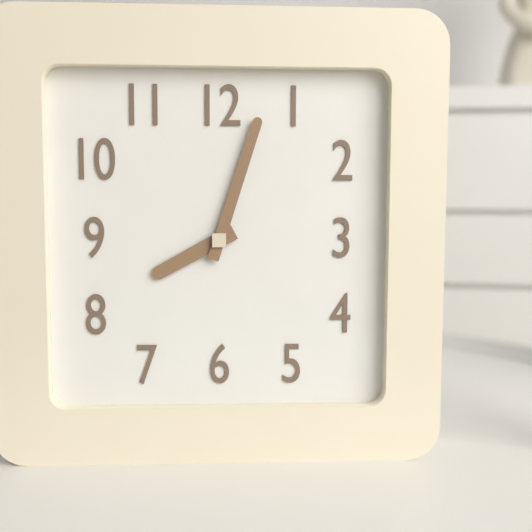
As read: 8:03
